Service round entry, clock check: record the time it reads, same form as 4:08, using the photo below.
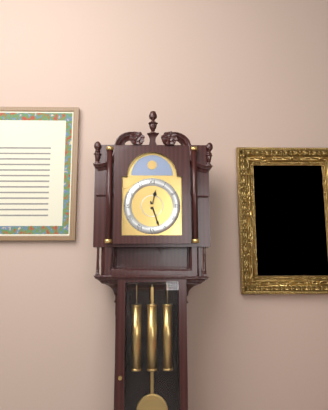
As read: 12:27
